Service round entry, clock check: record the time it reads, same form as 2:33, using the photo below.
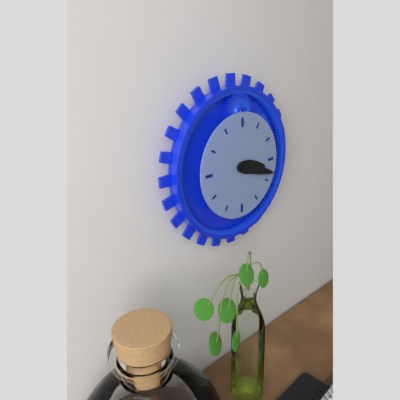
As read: 3:18
